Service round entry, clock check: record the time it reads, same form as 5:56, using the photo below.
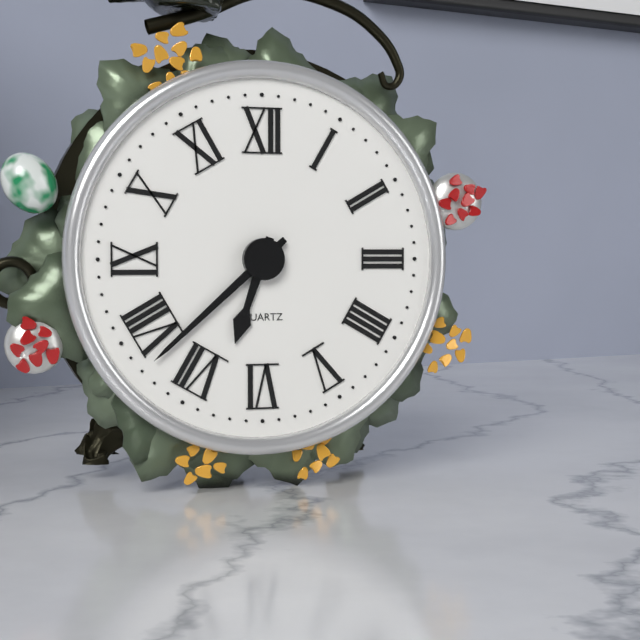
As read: 6:38
